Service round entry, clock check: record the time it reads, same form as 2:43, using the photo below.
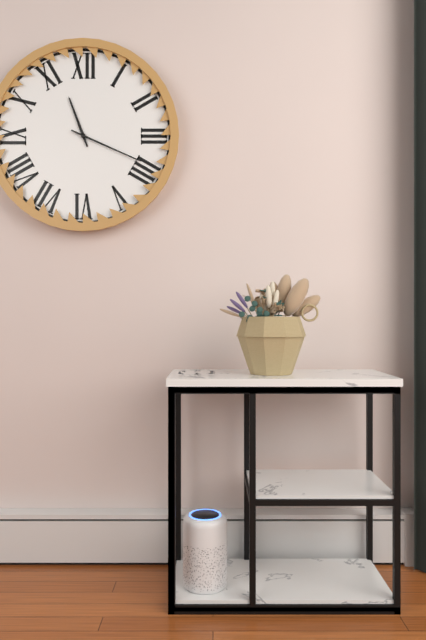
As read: 11:19
